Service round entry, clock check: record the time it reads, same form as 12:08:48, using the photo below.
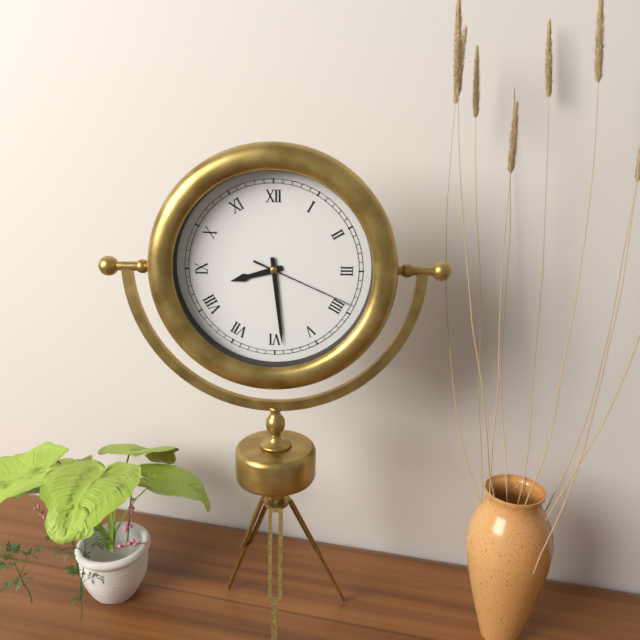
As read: 8:29:19
